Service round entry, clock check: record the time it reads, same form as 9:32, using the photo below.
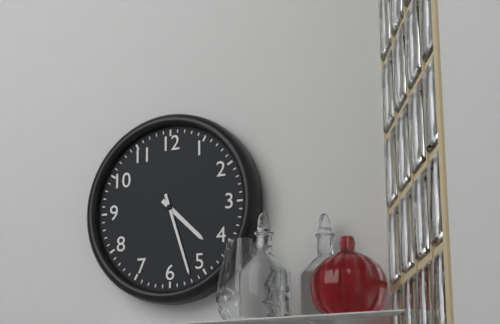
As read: 4:27
